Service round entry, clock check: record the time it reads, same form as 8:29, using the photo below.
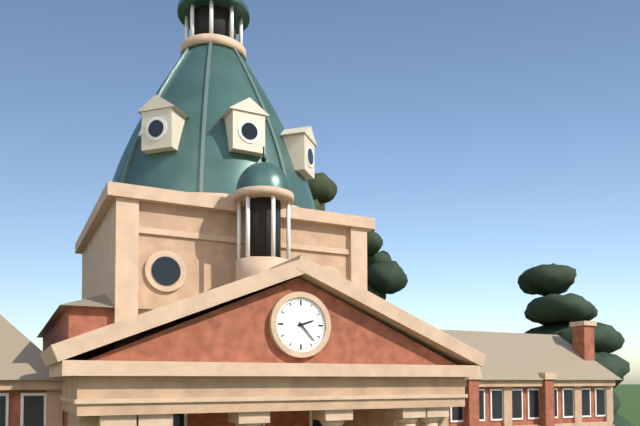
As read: 2:23
